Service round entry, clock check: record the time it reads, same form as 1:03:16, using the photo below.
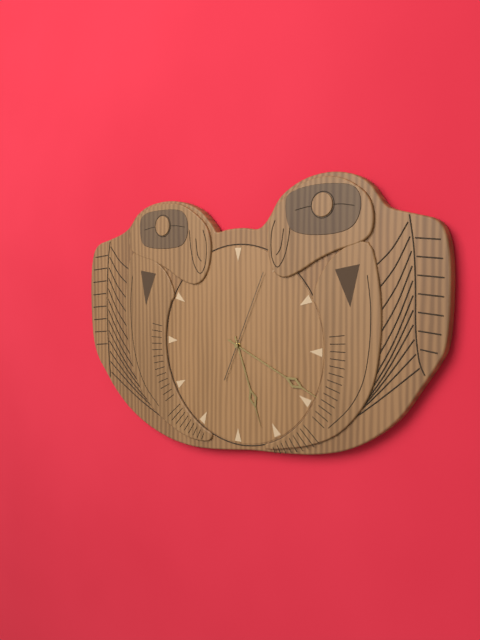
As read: 5:19:04
